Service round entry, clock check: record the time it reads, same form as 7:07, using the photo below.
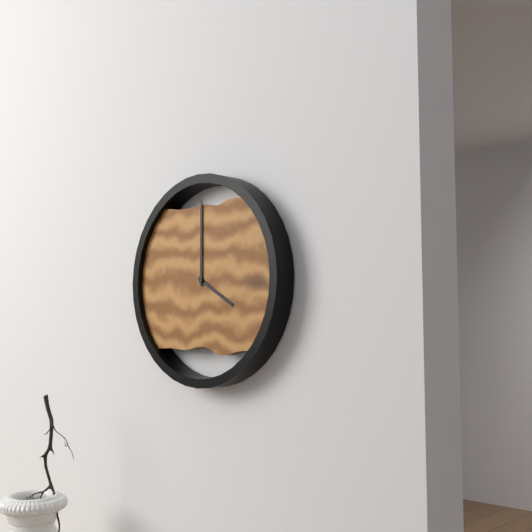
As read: 4:00
